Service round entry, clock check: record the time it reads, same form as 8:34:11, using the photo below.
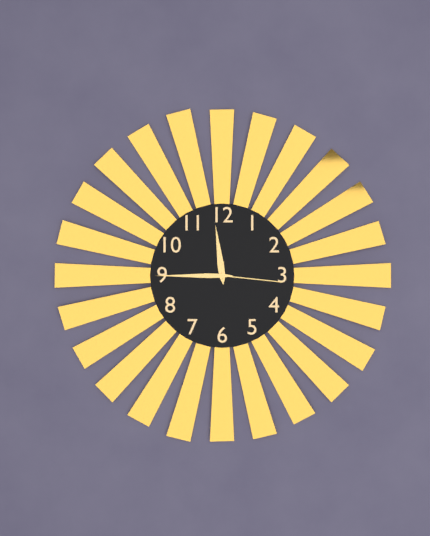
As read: 11:45:16
